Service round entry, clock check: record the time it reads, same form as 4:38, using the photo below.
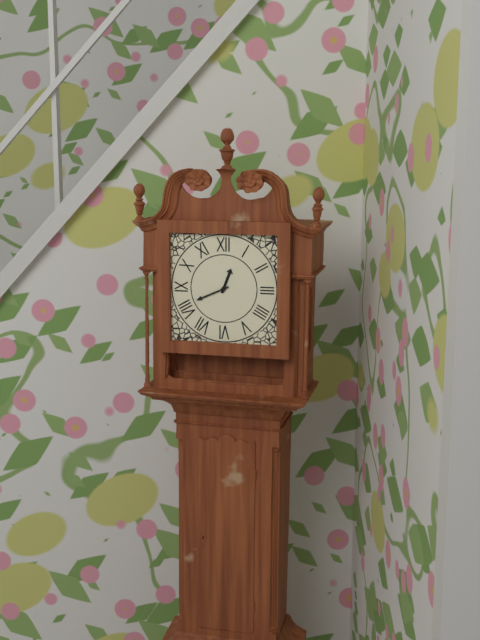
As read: 12:41
